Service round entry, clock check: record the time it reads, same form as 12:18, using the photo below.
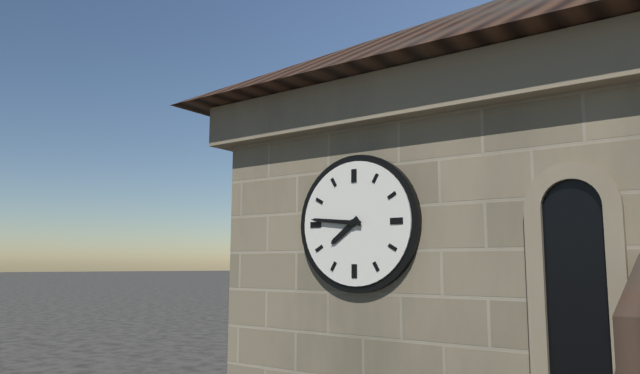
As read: 7:46
